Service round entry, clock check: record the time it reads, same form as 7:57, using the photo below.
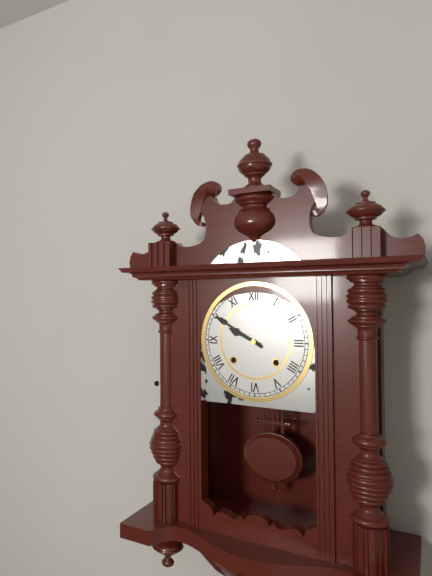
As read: 9:50
